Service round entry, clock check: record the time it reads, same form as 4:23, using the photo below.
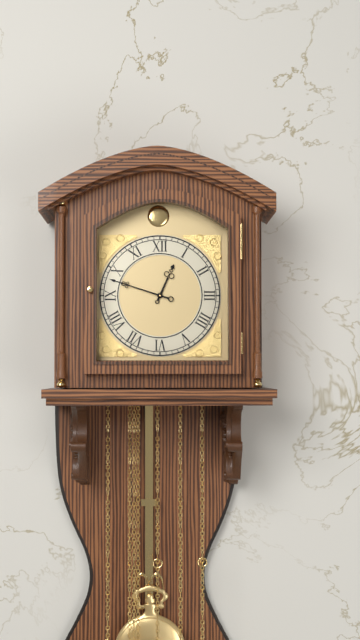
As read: 12:48
